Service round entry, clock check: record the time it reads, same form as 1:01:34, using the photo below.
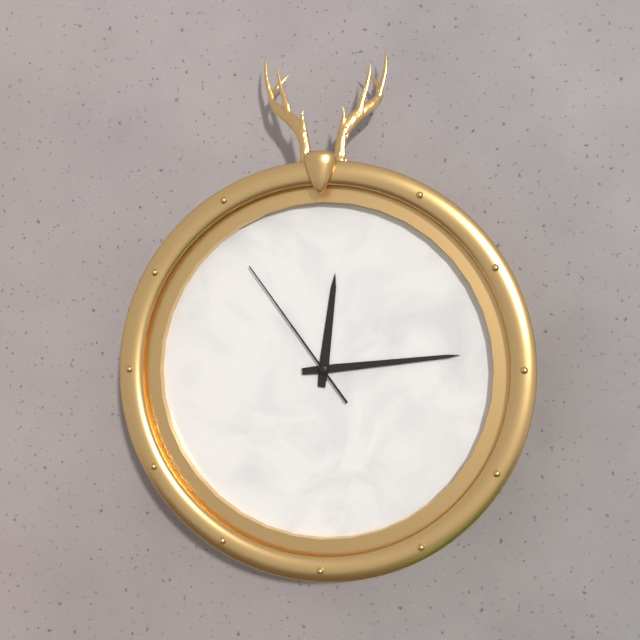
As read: 12:14:54
